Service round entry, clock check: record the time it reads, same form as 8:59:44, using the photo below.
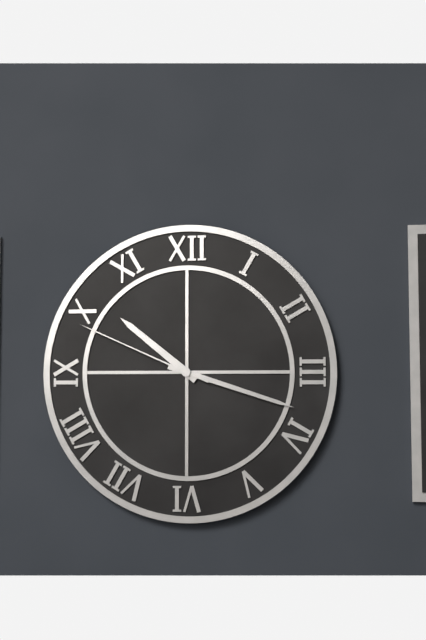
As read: 10:18:49
